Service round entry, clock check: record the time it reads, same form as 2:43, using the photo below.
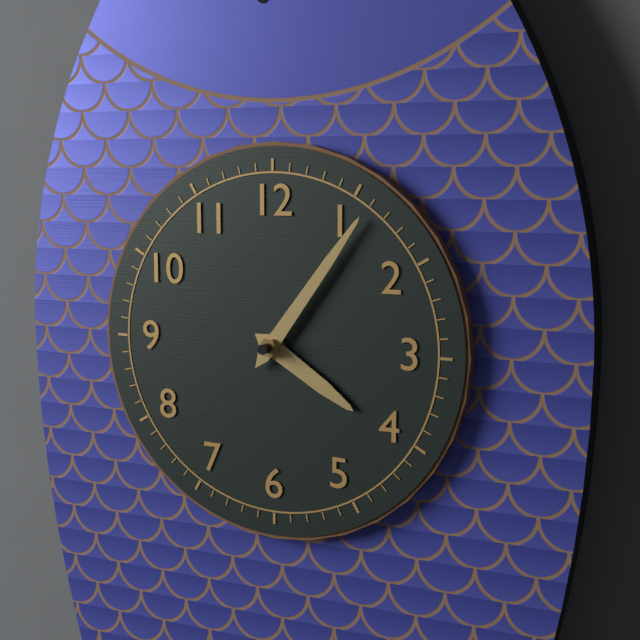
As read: 4:06
